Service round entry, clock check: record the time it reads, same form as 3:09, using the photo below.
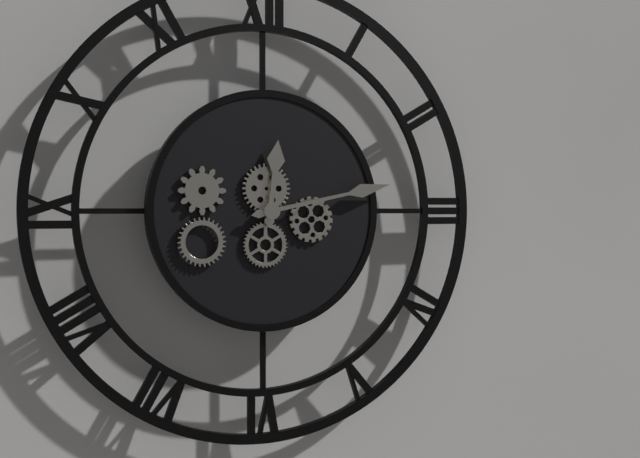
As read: 12:13
